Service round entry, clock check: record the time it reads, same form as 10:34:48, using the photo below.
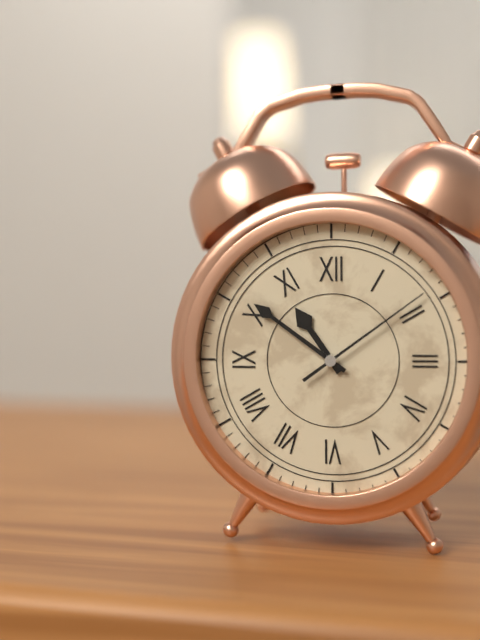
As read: 10:51:09
